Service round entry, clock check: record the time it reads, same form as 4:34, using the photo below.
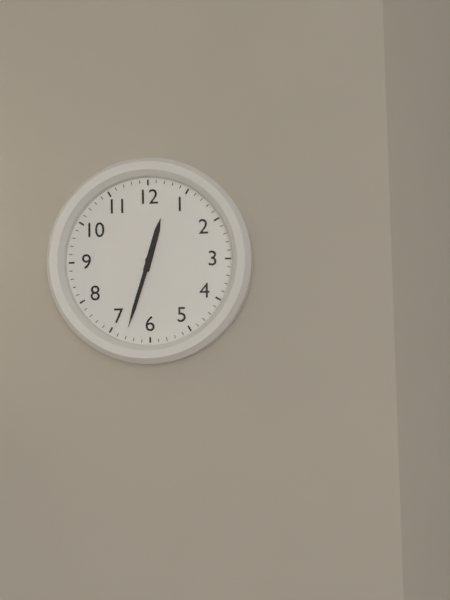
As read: 12:33
